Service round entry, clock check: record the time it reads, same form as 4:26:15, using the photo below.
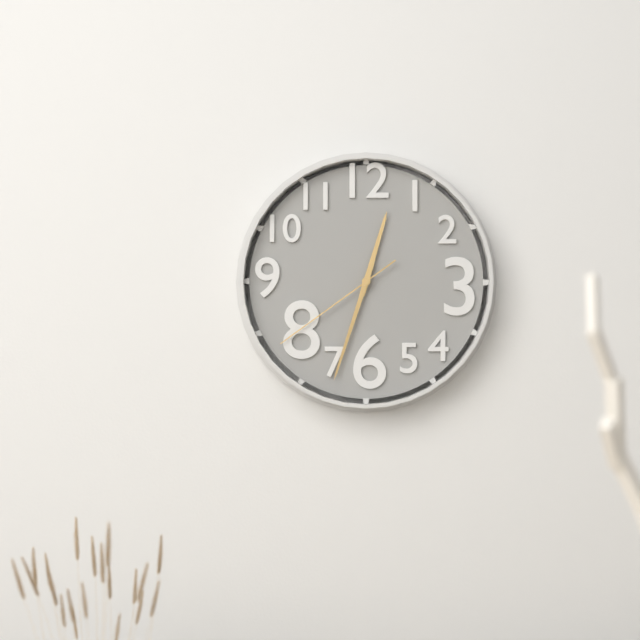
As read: 12:33:39
